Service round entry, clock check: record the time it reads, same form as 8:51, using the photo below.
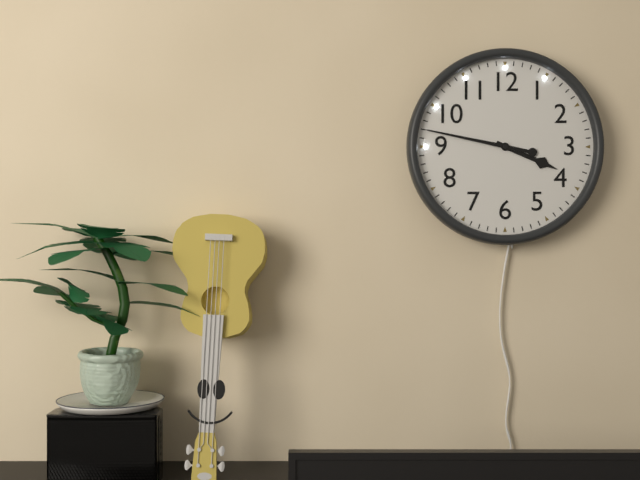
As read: 3:47
